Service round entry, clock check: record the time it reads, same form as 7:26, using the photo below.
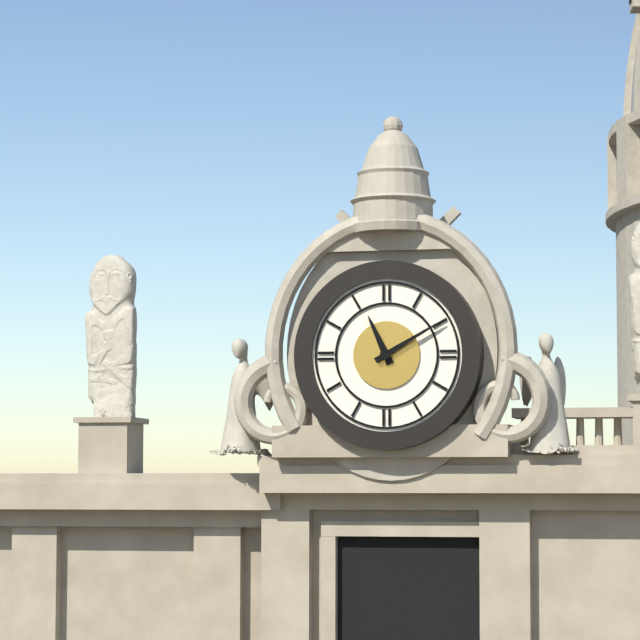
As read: 11:10
